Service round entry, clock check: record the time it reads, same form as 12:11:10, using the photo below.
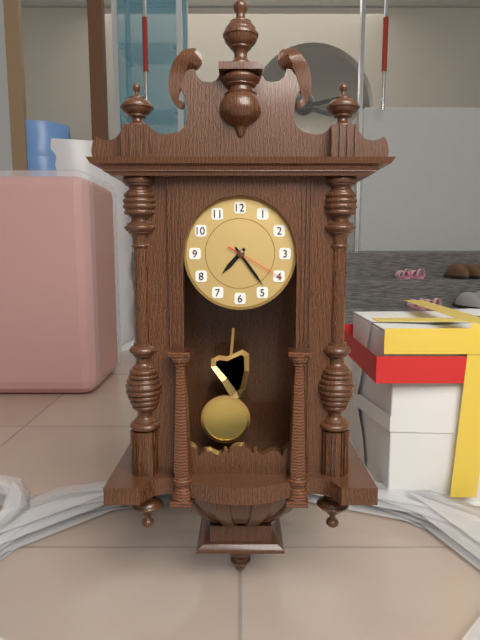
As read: 7:24:20
